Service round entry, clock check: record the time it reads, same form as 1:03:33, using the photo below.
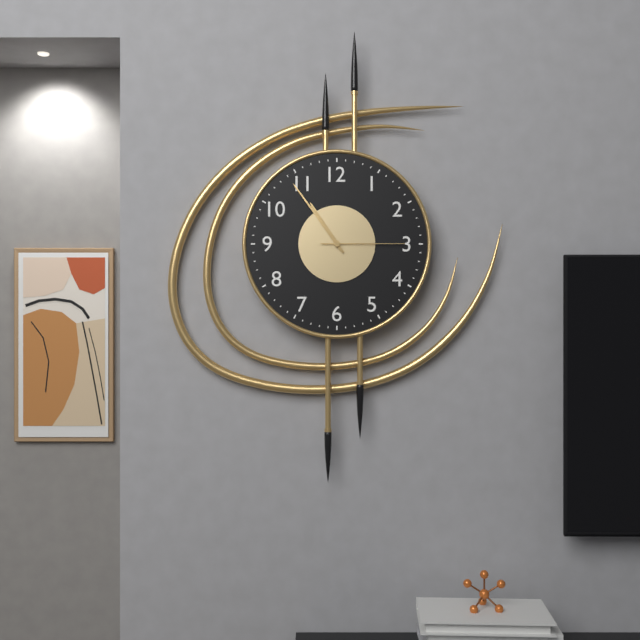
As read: 10:54:15
